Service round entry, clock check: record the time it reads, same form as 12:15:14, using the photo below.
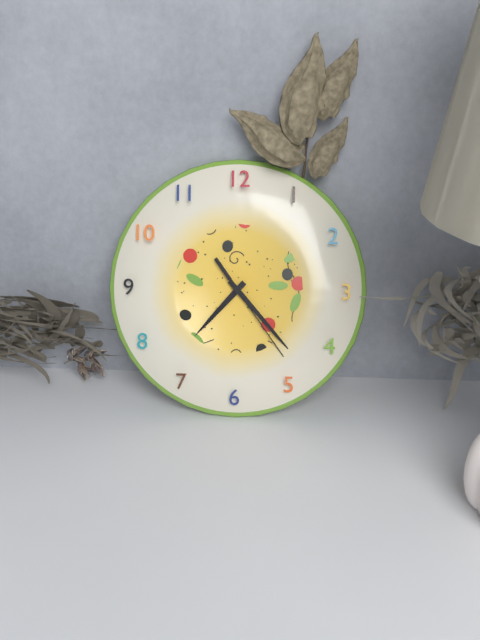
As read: 7:23:24
